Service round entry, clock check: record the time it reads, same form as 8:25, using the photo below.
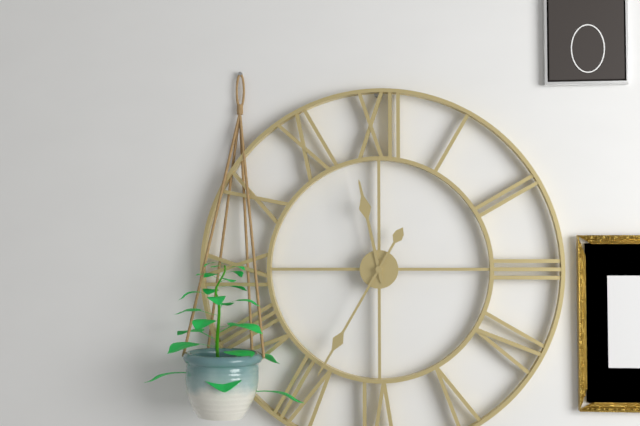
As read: 11:35
